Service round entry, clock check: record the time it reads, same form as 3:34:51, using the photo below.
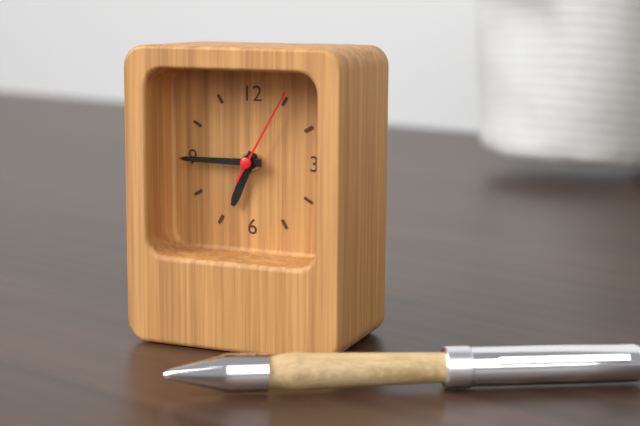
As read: 6:45:05
